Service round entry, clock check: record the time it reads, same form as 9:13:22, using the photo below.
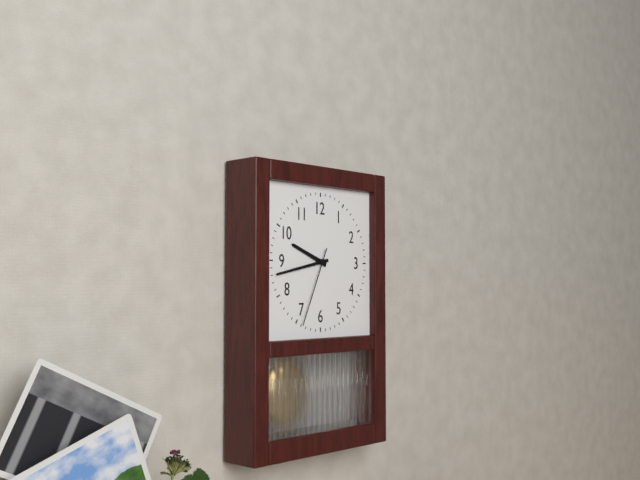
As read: 9:43:34
